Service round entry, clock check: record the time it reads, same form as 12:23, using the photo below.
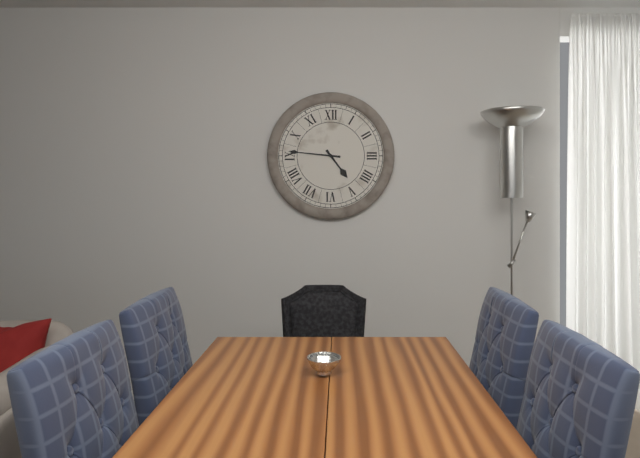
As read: 4:46
